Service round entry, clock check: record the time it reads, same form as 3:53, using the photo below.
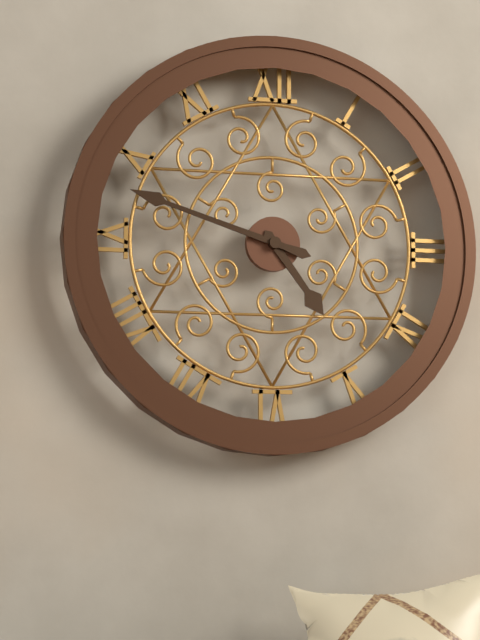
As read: 4:48
